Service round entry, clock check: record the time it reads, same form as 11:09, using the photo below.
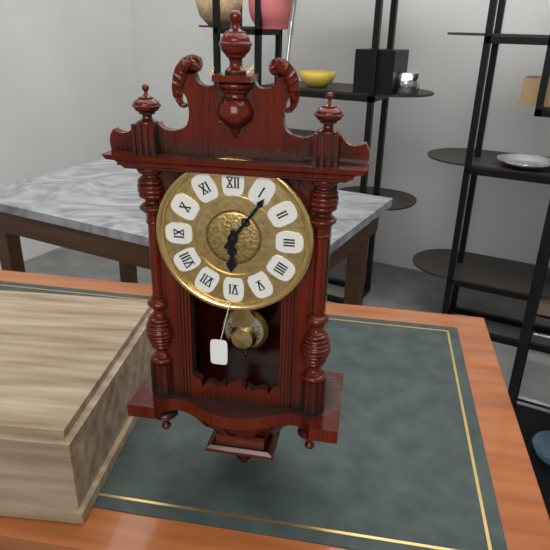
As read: 6:06
